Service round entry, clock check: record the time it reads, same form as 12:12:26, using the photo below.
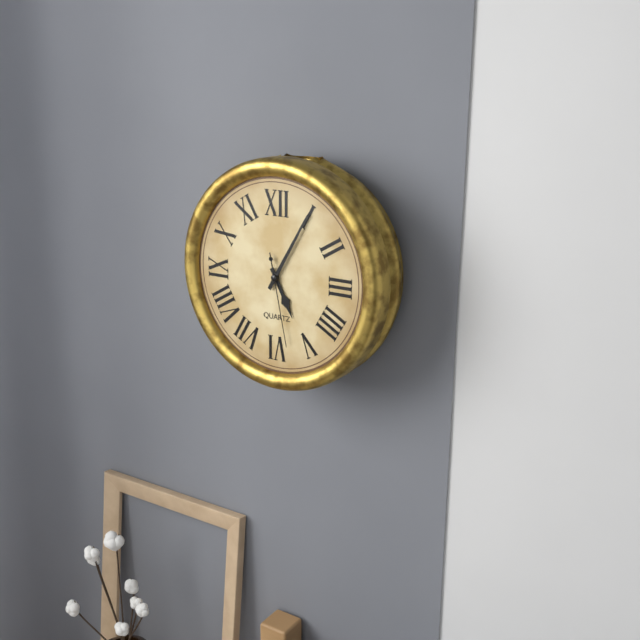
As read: 5:05:28
